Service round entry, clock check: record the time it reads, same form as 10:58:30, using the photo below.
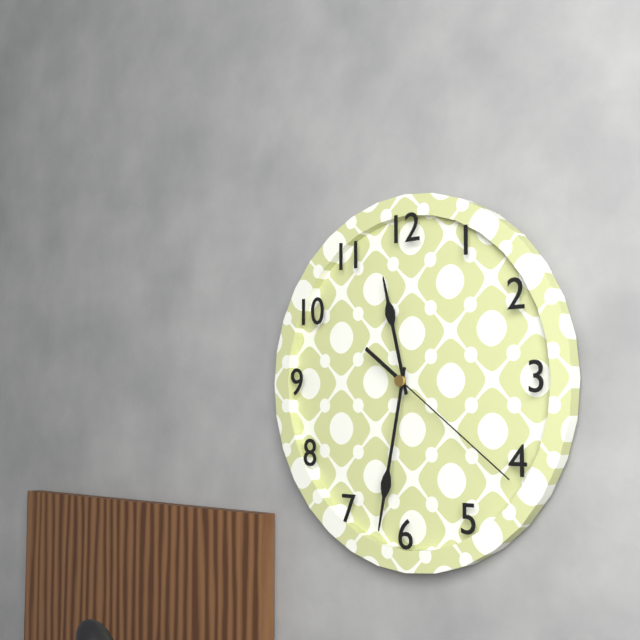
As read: 11:32:21
